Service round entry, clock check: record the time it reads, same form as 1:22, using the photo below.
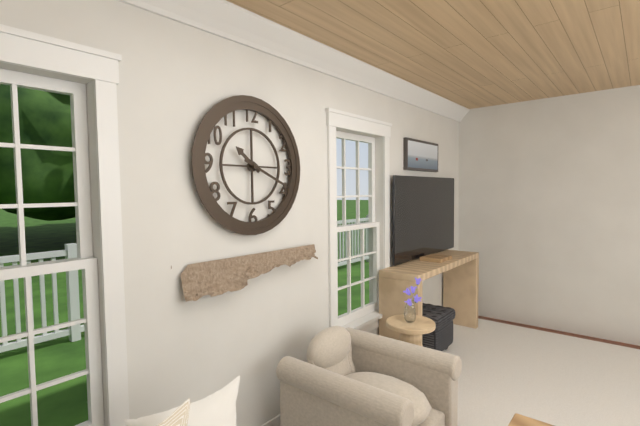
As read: 10:19
